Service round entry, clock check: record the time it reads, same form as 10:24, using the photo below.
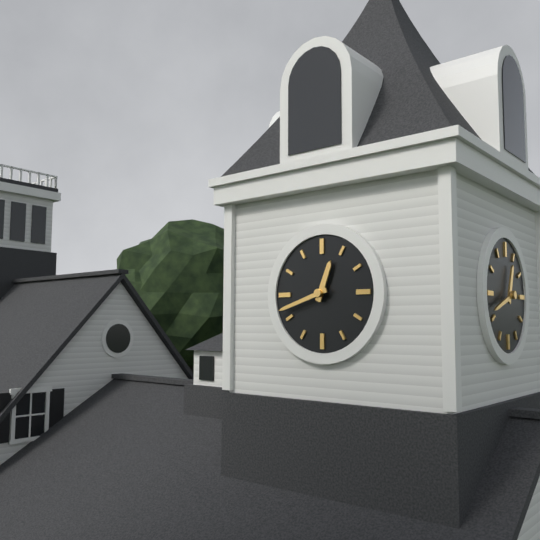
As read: 12:42
